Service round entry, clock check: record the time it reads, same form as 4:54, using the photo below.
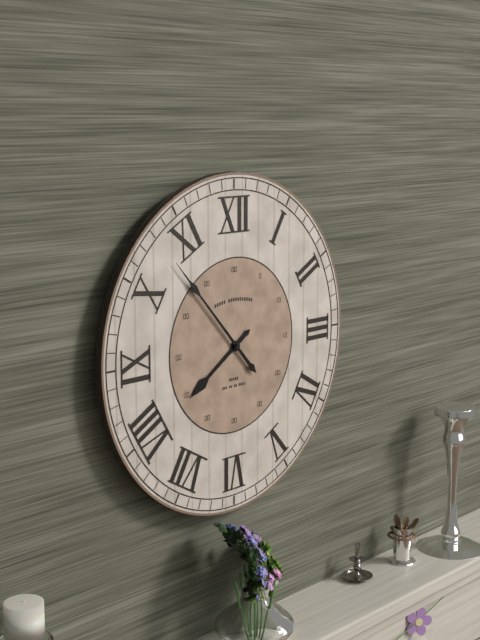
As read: 7:53
